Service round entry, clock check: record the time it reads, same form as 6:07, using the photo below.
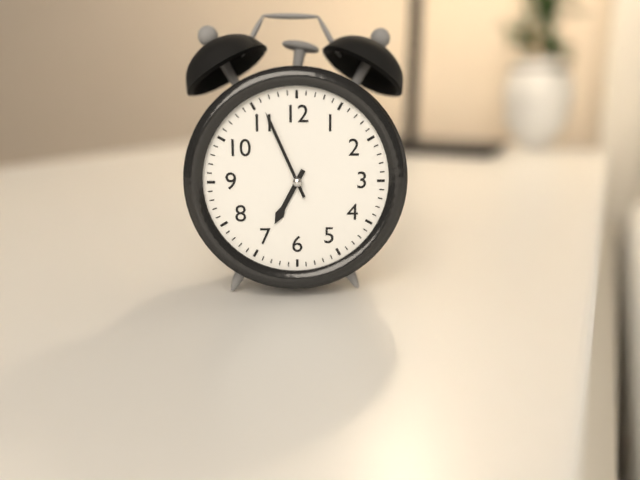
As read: 6:56
